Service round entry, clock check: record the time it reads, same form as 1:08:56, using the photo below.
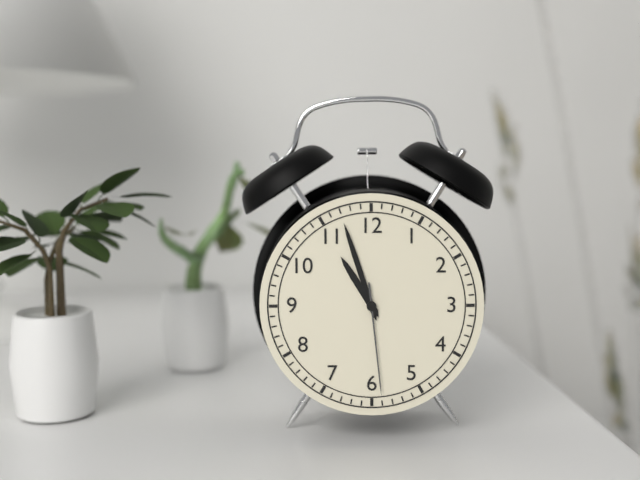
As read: 10:57:29
